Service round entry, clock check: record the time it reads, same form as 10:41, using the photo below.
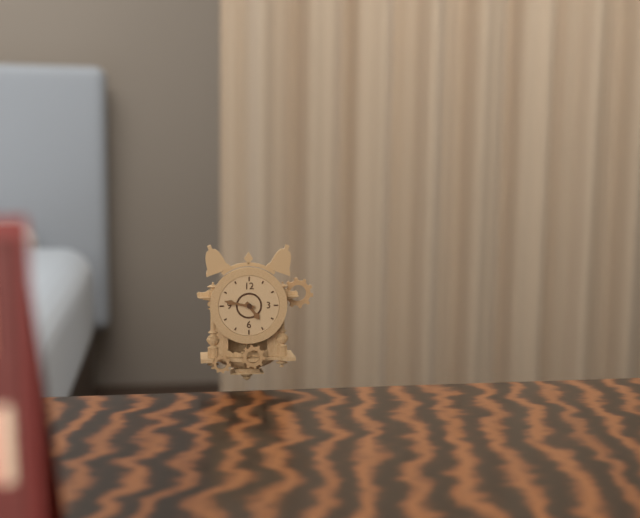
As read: 4:47
